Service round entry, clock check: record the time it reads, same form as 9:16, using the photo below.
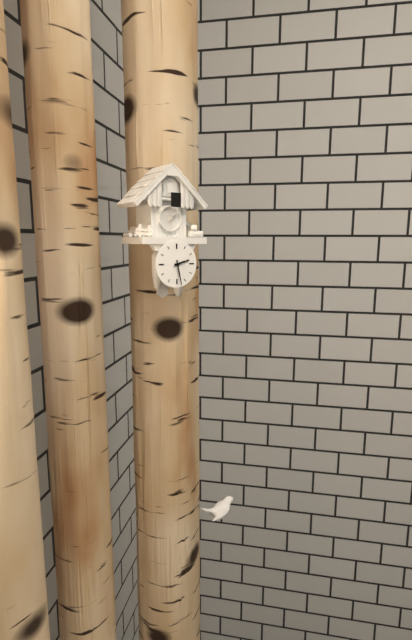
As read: 2:28
